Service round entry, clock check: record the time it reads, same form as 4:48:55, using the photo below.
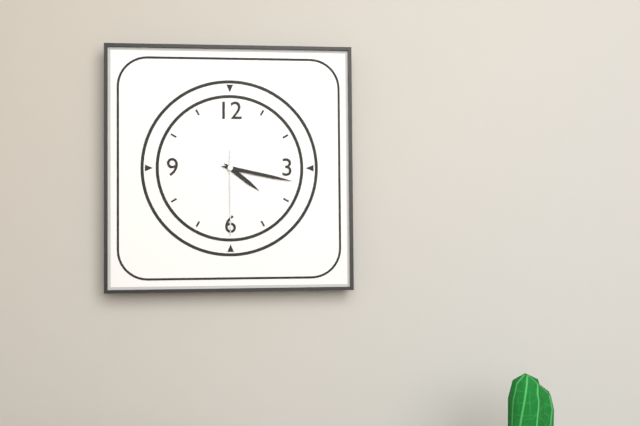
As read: 4:17:30
